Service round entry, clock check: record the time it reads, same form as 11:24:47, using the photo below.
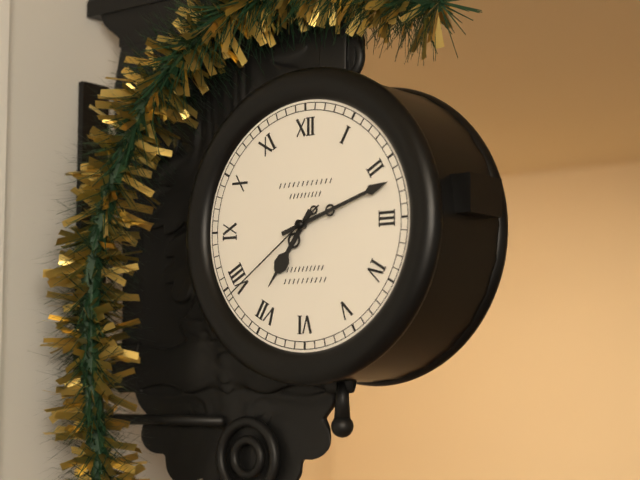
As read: 7:12:39
